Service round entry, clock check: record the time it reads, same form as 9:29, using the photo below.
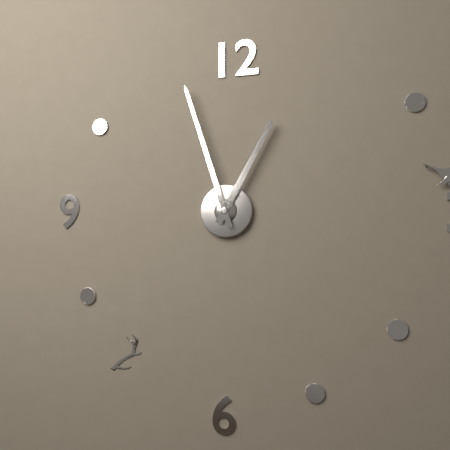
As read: 12:57
